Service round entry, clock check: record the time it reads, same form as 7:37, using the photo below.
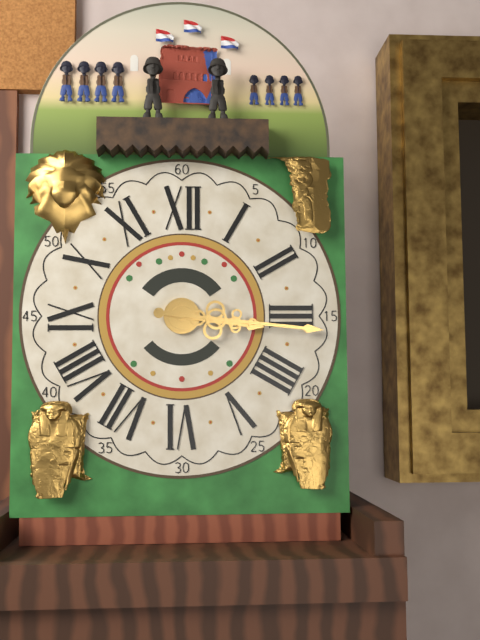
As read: 3:16
